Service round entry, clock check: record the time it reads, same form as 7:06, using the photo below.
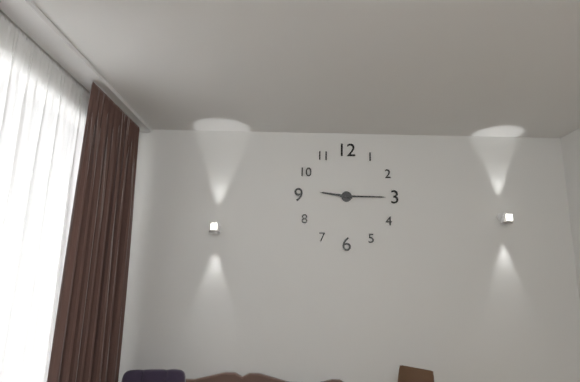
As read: 9:15
